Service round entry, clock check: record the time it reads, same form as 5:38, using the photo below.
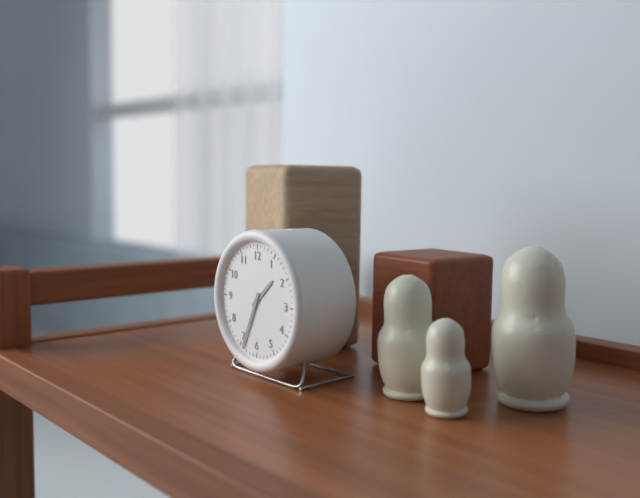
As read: 1:34
